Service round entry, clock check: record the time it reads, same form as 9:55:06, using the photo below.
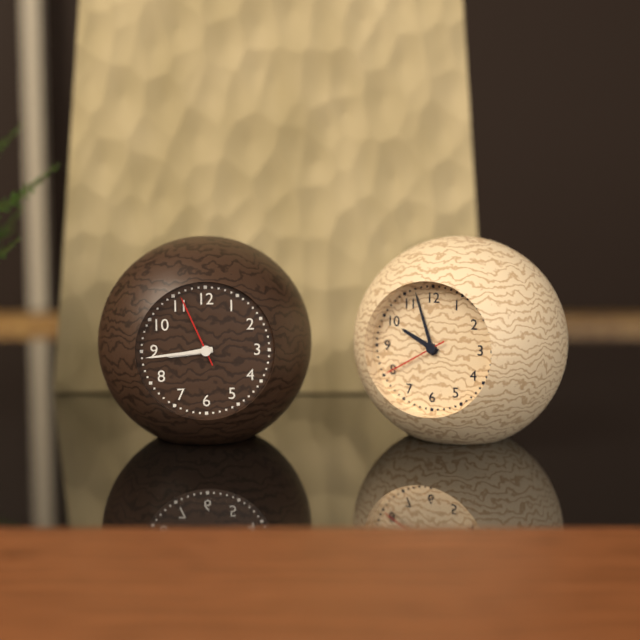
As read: 8:44:56
